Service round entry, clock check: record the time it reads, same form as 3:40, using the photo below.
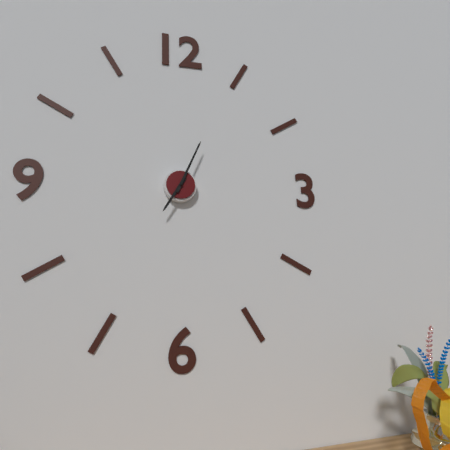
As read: 7:04
